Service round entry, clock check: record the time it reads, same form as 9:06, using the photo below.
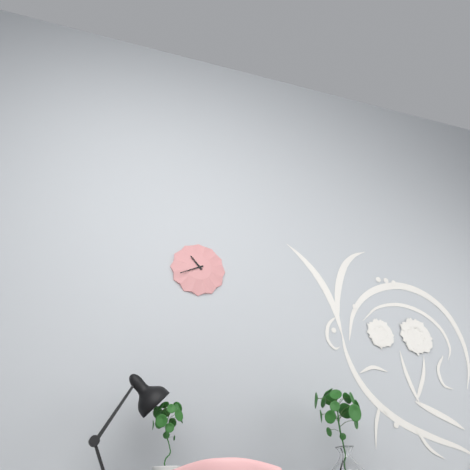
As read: 10:41
